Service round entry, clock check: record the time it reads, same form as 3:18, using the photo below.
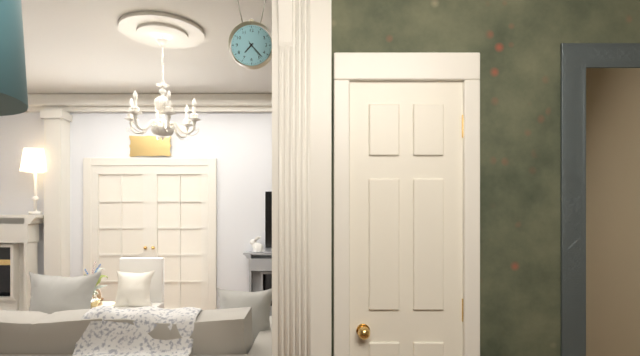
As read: 7:23
